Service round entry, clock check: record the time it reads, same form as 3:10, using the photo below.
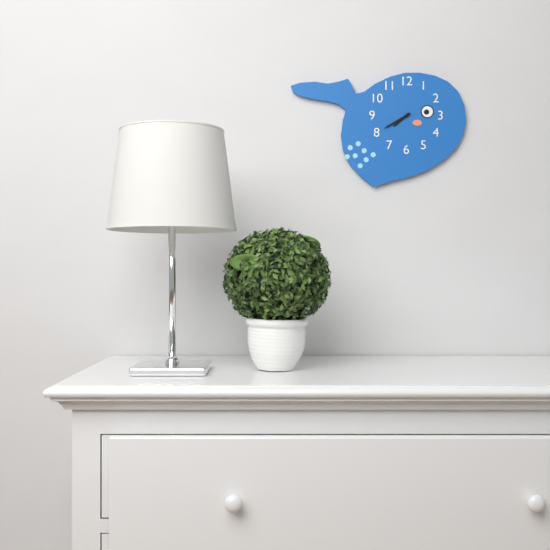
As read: 7:40
